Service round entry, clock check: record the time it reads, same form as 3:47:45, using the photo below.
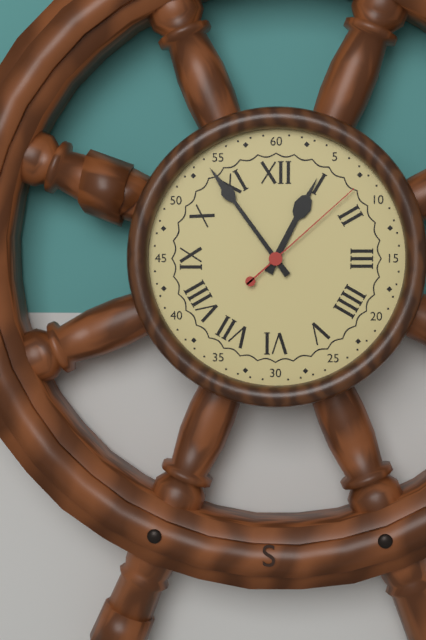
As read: 12:54:08
